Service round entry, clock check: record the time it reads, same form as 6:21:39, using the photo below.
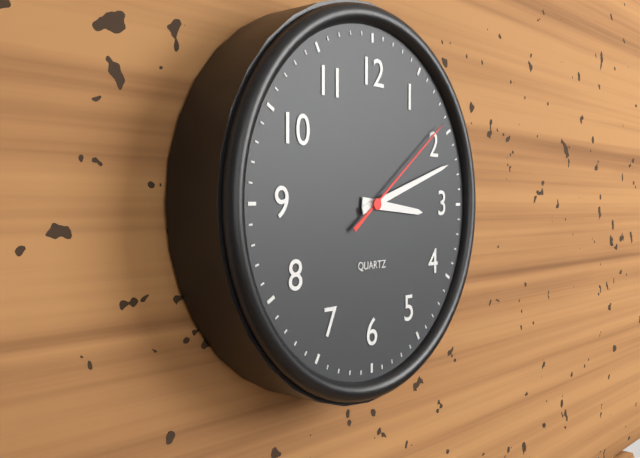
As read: 3:12:09
